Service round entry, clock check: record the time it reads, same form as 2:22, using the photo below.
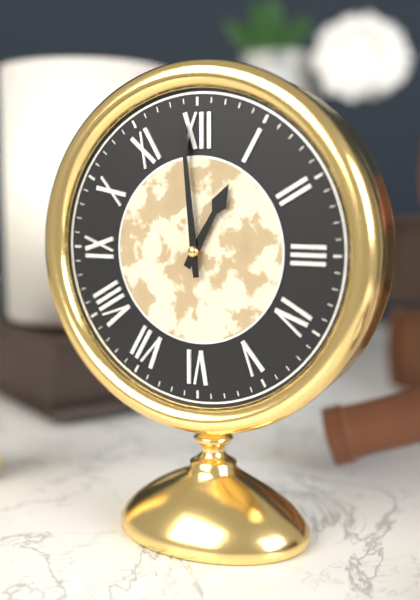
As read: 12:59
